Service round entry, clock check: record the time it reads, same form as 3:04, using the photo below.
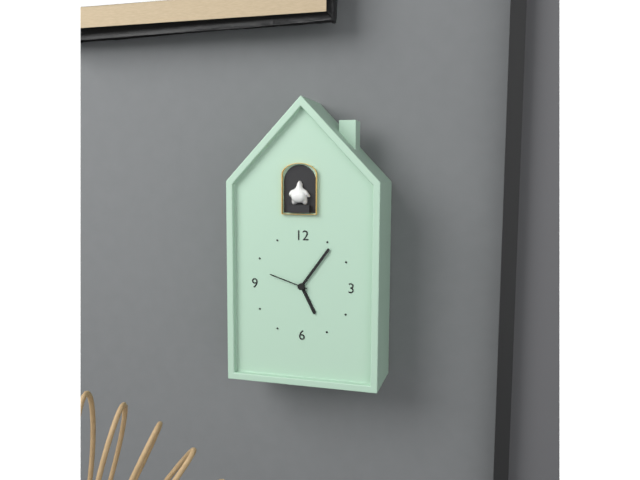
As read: 5:06
